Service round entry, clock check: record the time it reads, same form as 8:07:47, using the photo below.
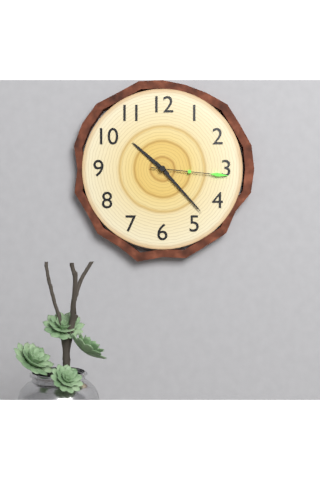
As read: 10:23:16
